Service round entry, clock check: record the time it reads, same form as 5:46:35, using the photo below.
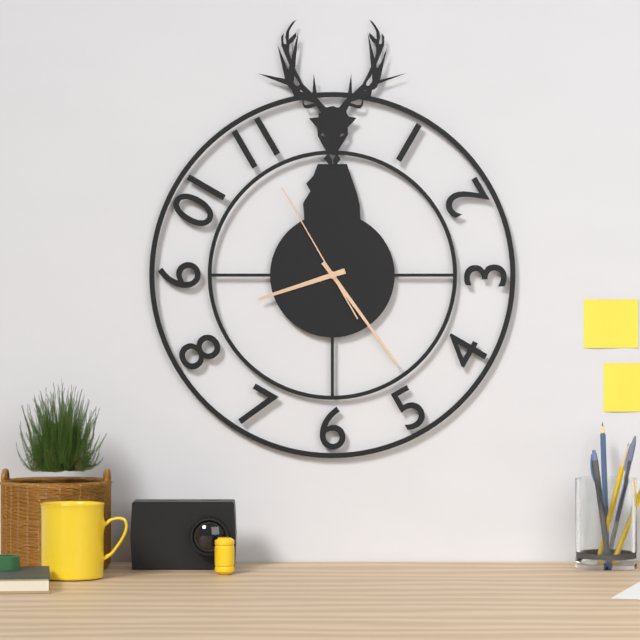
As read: 8:24:55
